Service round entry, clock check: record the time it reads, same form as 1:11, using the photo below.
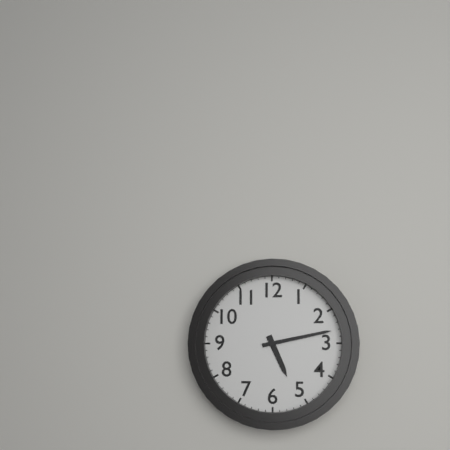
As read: 5:13
